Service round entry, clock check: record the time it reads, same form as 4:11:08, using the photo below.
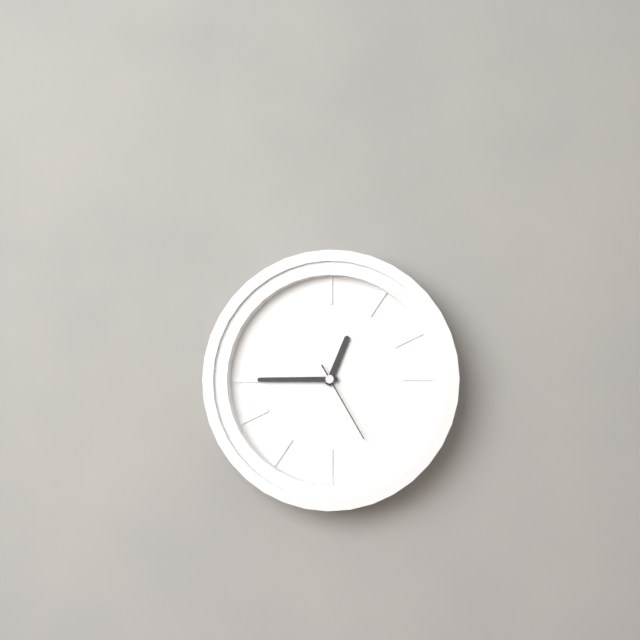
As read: 12:45:25
